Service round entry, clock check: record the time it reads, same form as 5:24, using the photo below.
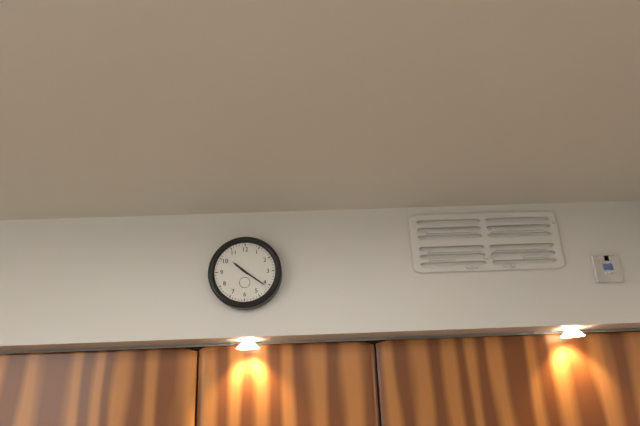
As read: 10:21
